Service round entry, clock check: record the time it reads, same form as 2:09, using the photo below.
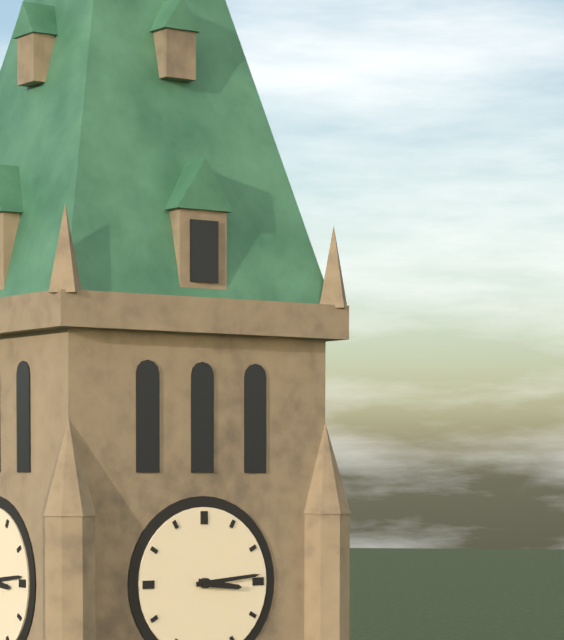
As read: 3:14
